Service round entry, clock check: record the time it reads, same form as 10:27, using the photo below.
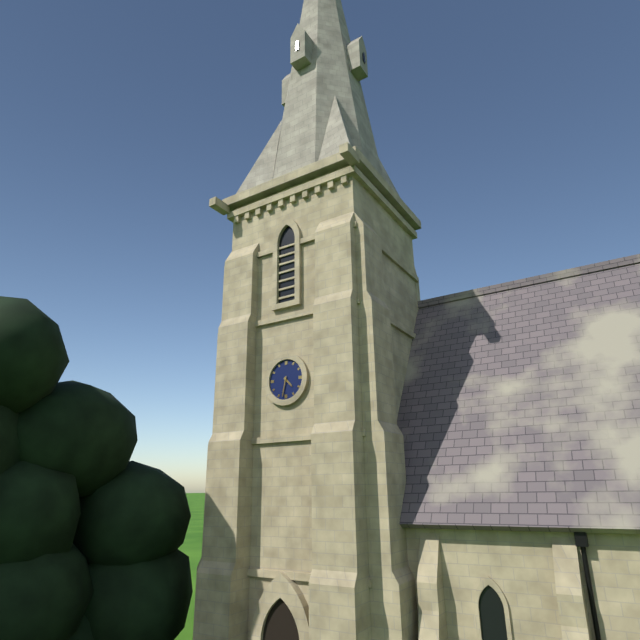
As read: 4:32
